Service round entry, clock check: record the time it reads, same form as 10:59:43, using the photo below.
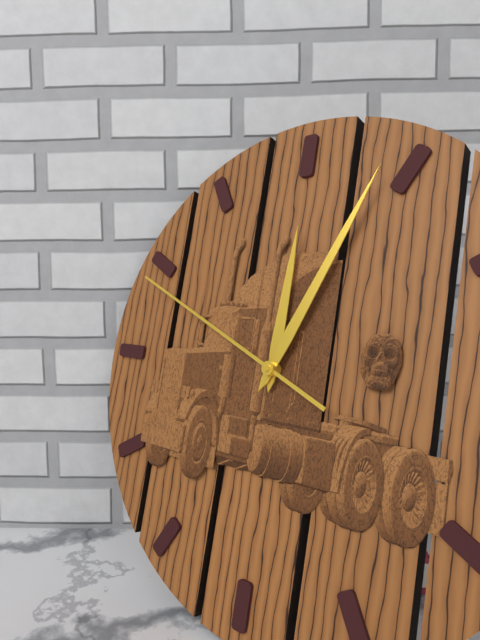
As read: 12:04:49
